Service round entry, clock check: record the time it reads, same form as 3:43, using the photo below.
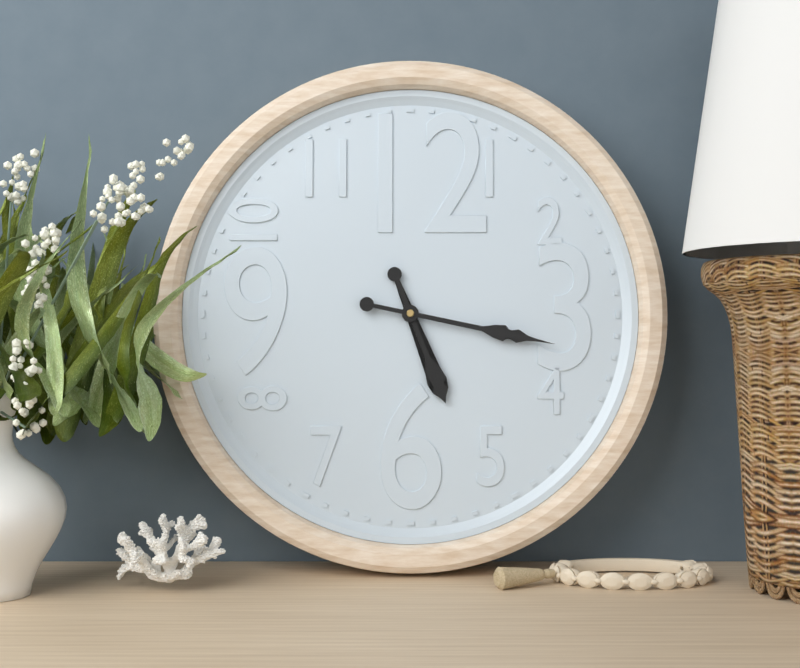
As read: 5:17
